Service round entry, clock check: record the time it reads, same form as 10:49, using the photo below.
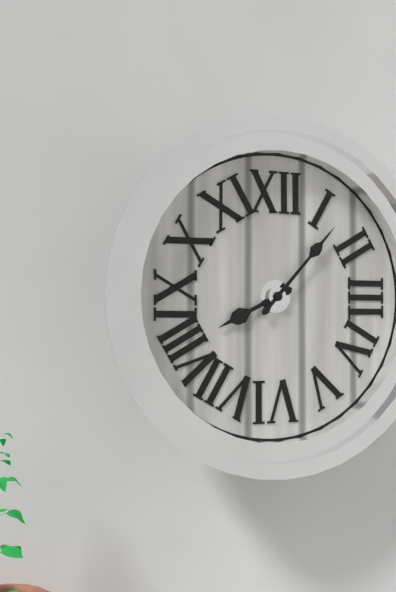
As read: 8:07
